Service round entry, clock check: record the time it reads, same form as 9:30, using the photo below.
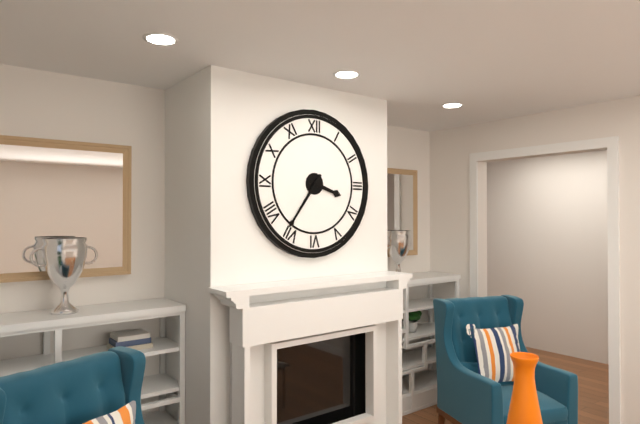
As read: 3:36
